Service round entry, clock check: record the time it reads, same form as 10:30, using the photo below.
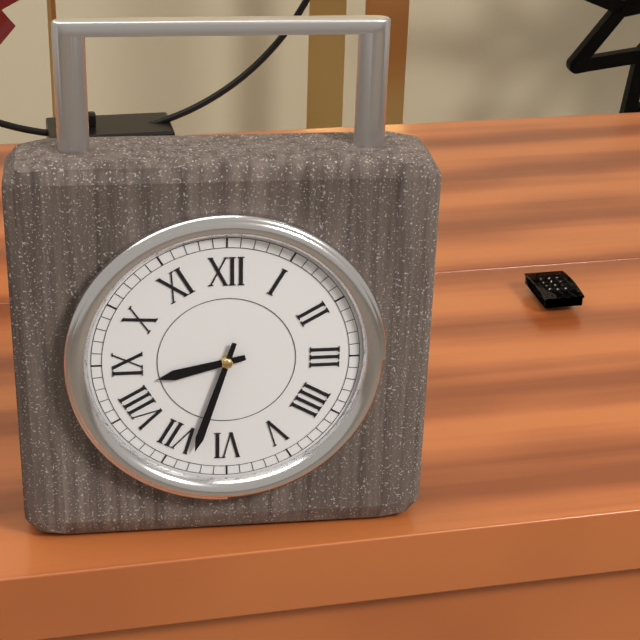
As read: 8:33
